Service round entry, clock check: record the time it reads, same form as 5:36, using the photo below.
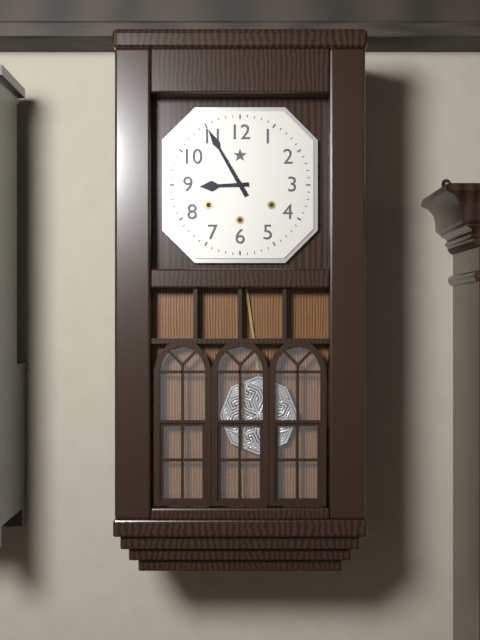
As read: 8:55
